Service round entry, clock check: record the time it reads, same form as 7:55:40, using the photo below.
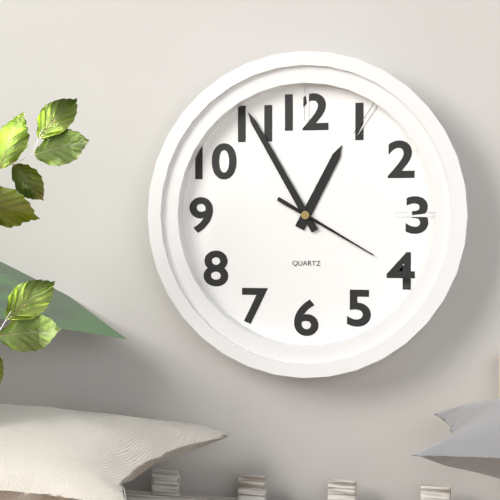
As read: 12:55:20
